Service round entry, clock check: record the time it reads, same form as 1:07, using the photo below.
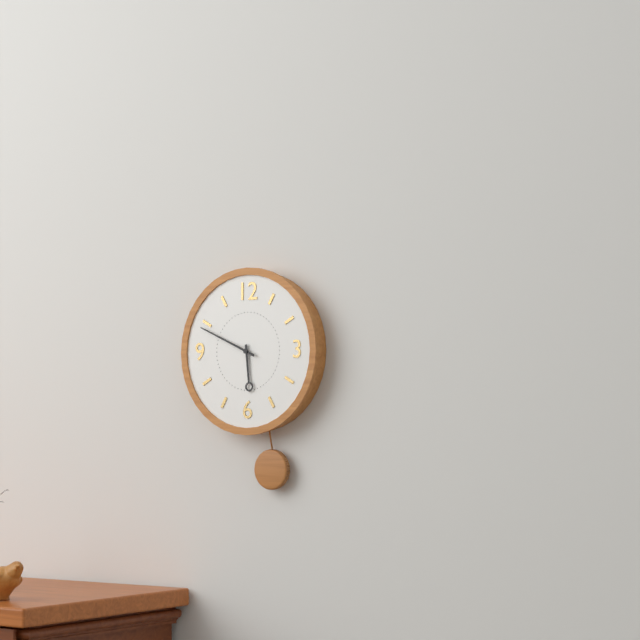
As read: 5:49
